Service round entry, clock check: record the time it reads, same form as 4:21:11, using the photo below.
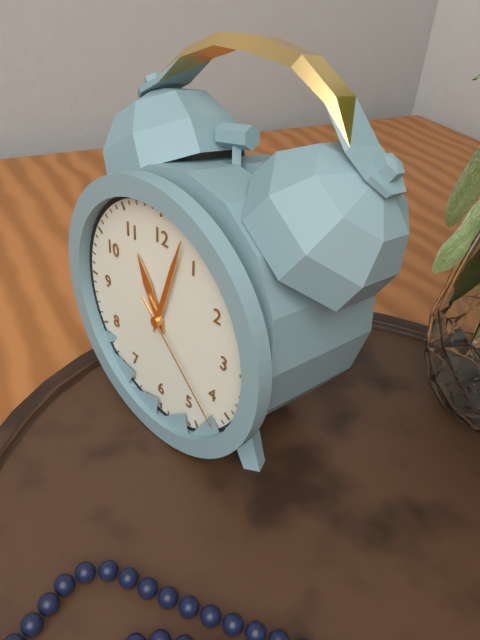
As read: 11:03:22
